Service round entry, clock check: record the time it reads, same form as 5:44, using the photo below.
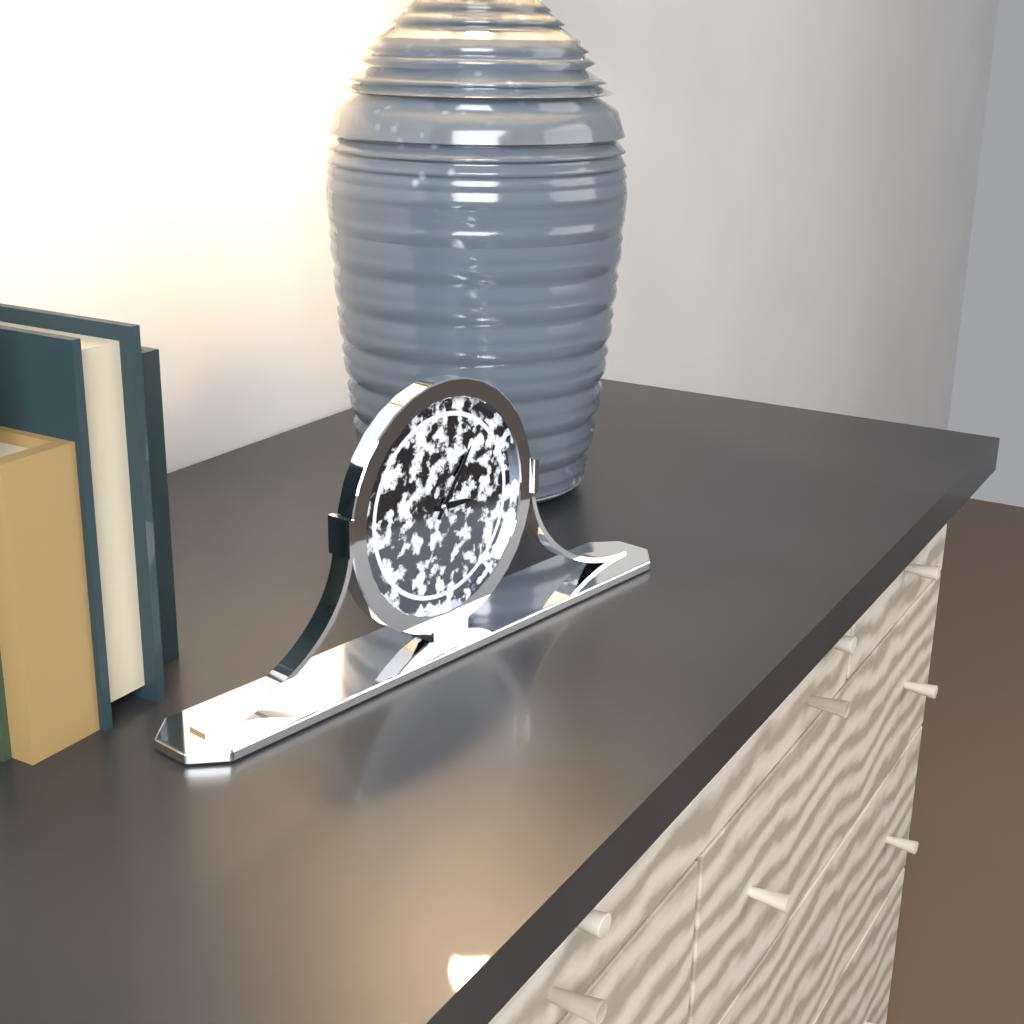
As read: 3:06
